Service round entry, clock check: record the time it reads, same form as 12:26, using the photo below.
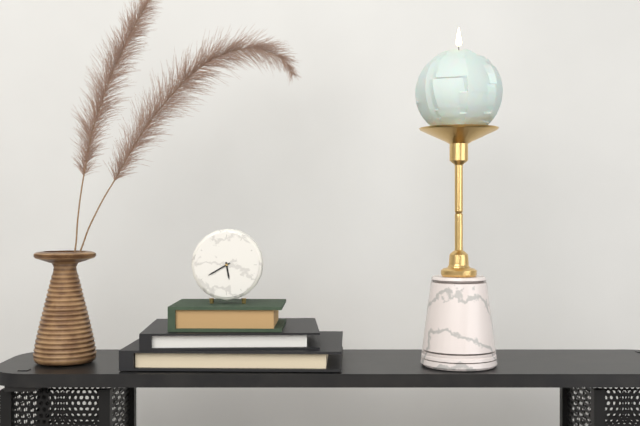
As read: 5:40
